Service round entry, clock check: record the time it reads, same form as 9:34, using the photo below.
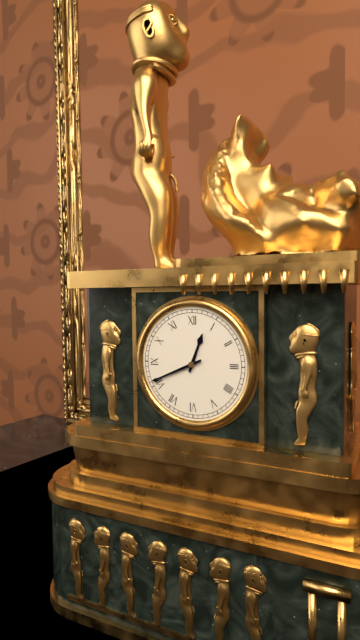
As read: 12:41
